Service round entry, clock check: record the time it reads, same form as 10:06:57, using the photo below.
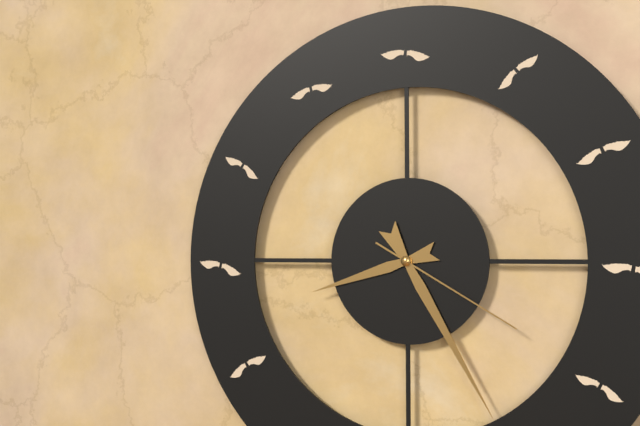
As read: 8:25:20
